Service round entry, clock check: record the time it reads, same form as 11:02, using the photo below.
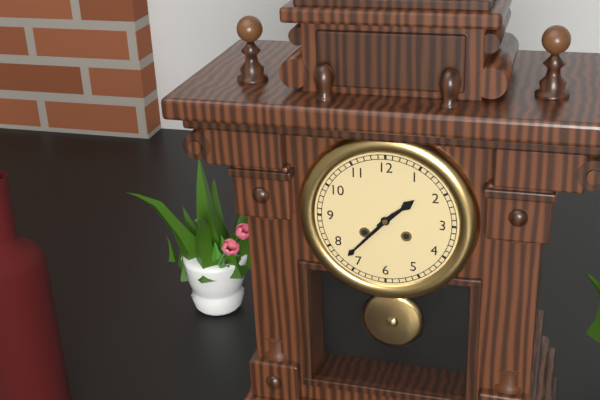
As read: 1:37
